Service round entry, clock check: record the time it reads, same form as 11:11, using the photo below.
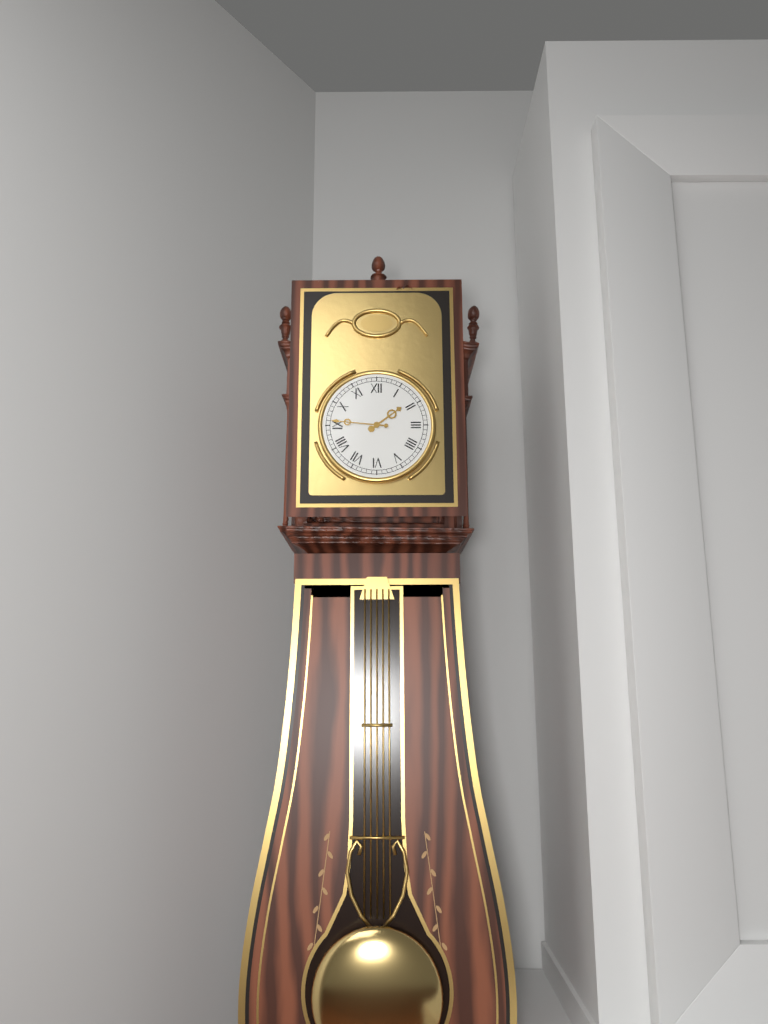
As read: 1:46
